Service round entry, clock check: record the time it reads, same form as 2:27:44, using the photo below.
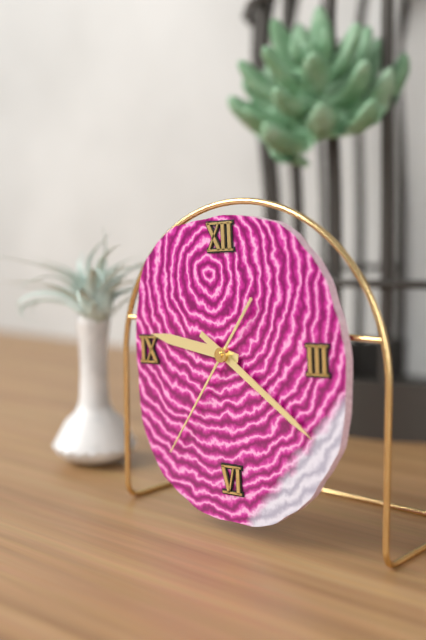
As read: 9:21:36
